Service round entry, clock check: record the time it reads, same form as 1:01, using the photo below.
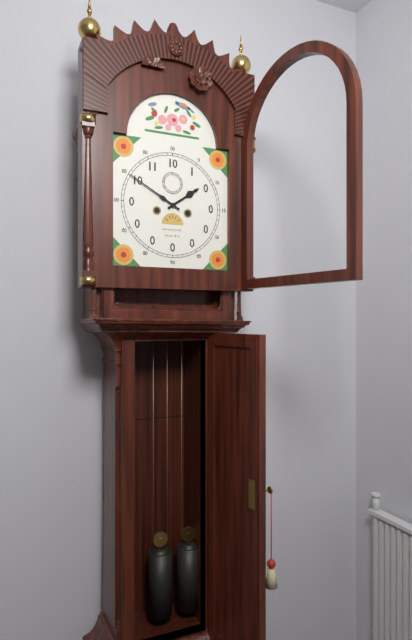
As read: 1:50
